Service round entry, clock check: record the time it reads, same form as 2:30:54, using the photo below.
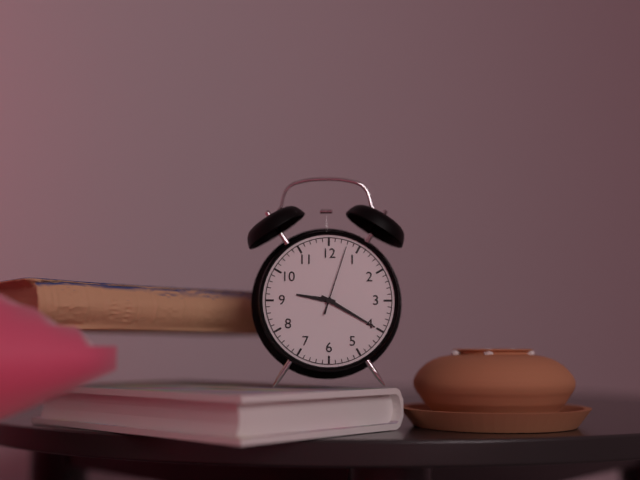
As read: 9:20:03
